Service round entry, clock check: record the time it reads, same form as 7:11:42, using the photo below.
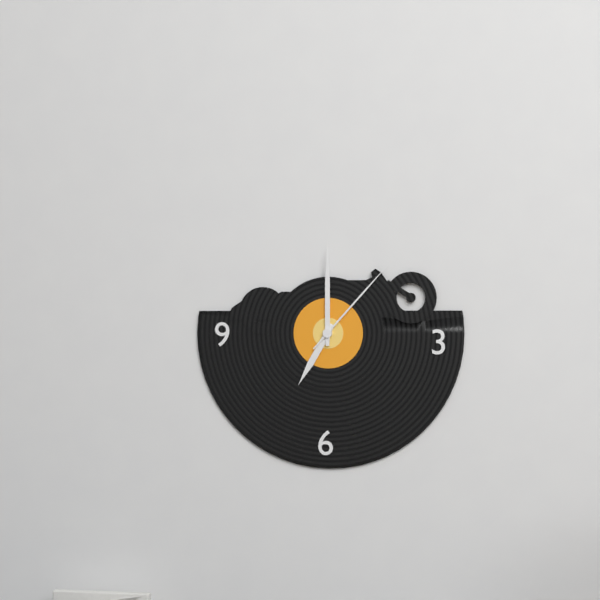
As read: 7:00:07
